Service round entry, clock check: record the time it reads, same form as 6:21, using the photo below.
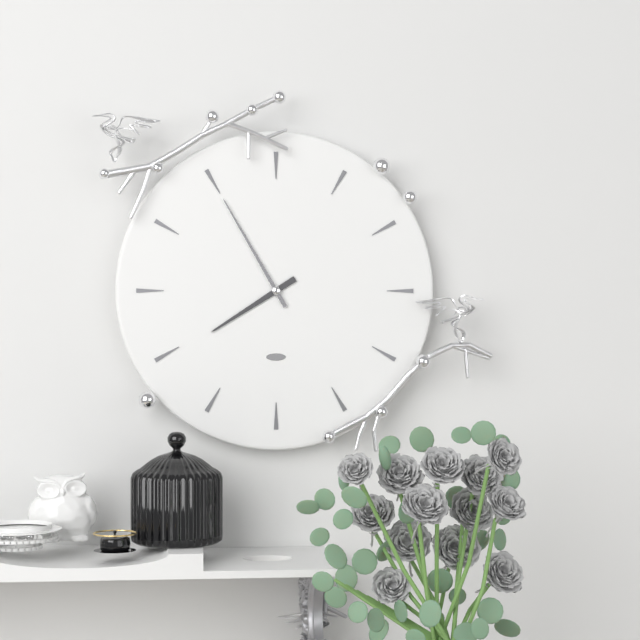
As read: 7:55
